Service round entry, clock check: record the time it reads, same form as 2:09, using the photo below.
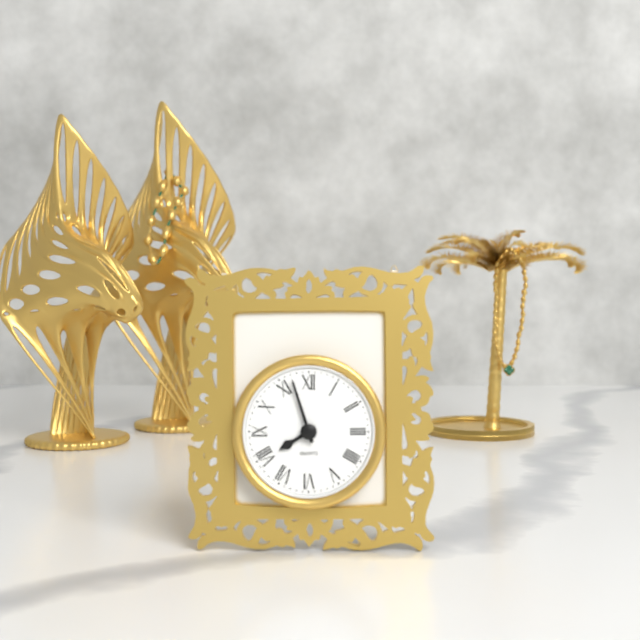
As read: 7:57
